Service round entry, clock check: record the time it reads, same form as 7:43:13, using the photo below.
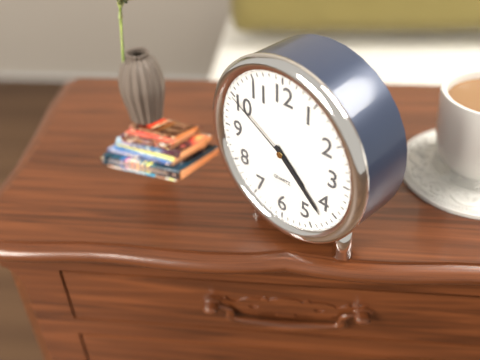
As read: 4:22:50
